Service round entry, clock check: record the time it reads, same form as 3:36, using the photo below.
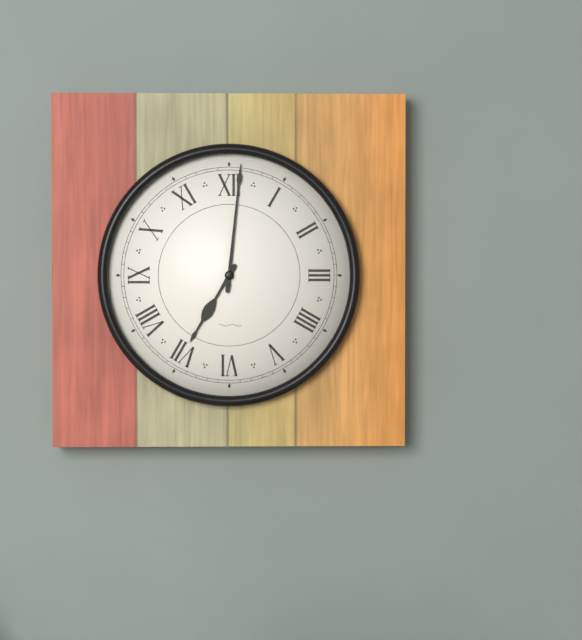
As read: 7:01
